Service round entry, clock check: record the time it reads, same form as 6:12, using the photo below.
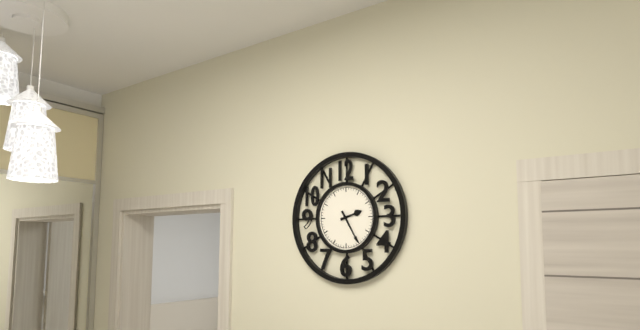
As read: 2:25
